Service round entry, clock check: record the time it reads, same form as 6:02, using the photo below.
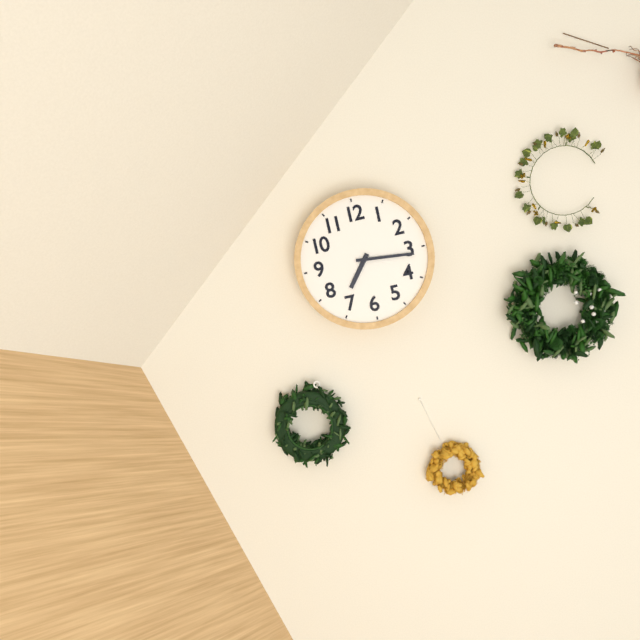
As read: 7:16
